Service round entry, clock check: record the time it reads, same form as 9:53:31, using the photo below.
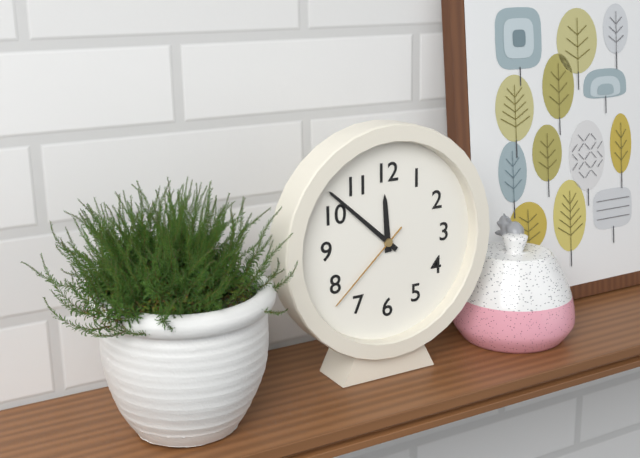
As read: 11:52:38
